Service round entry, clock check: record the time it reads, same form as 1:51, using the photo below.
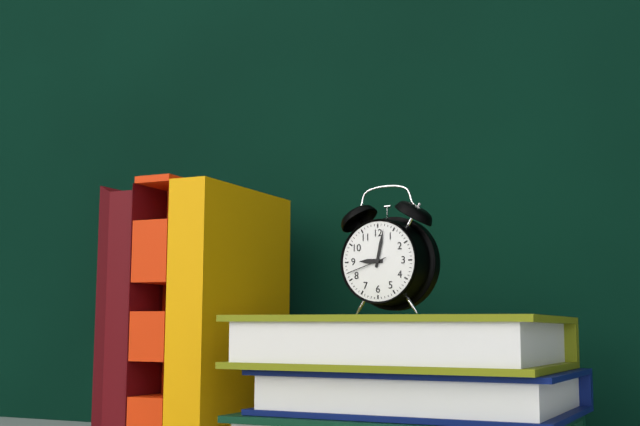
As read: 9:02
